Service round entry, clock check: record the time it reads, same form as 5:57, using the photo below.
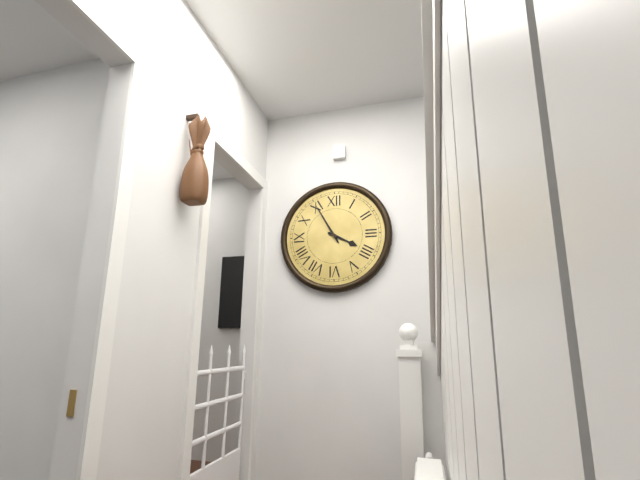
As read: 3:55
